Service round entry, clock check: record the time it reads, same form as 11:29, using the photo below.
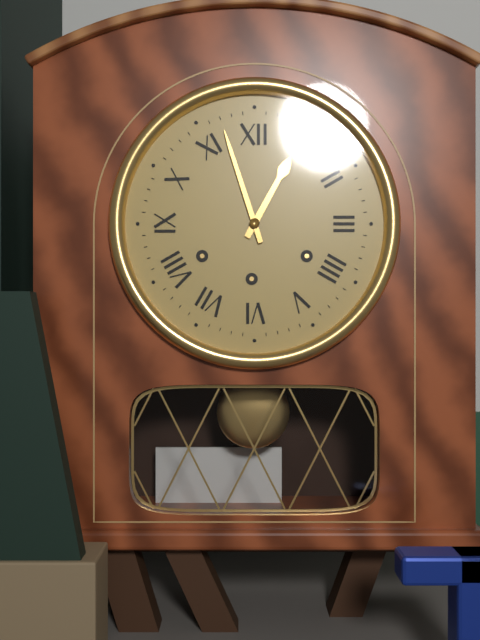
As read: 12:57
